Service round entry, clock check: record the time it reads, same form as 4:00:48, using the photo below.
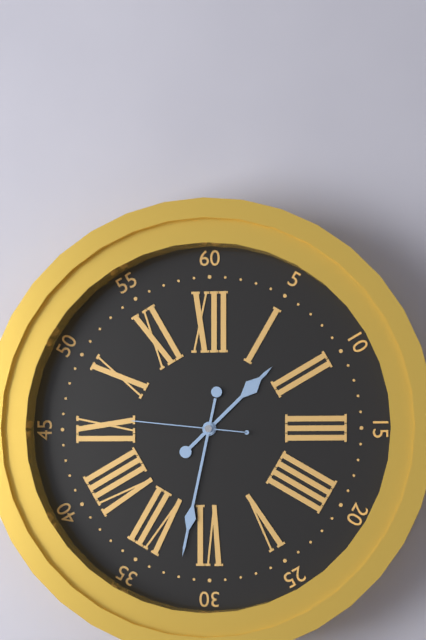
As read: 1:32:46
